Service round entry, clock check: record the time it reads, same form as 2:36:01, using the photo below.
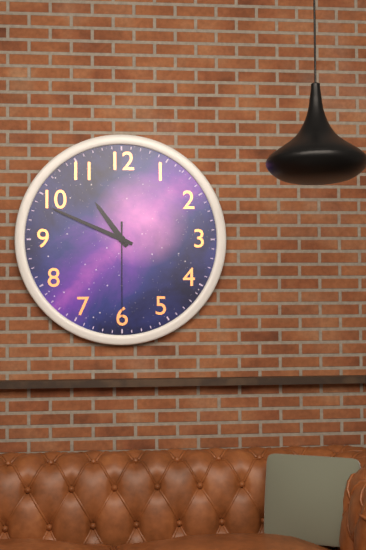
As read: 10:49:30
